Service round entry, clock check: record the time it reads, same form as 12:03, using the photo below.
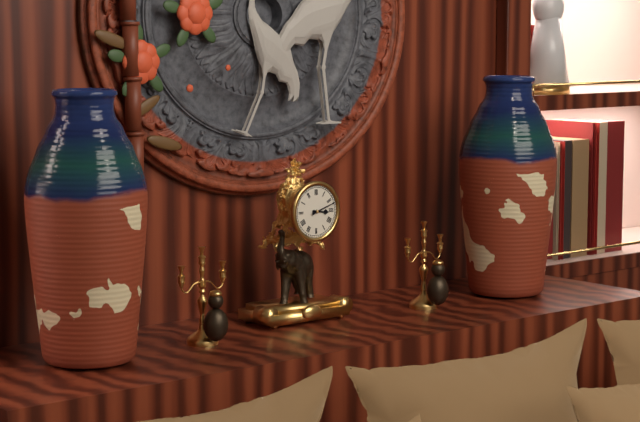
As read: 3:12
